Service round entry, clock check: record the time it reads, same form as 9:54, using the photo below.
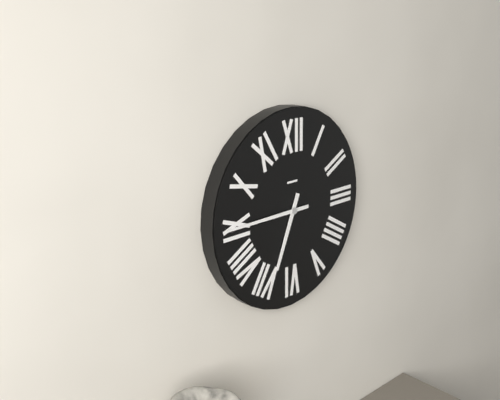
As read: 6:45
